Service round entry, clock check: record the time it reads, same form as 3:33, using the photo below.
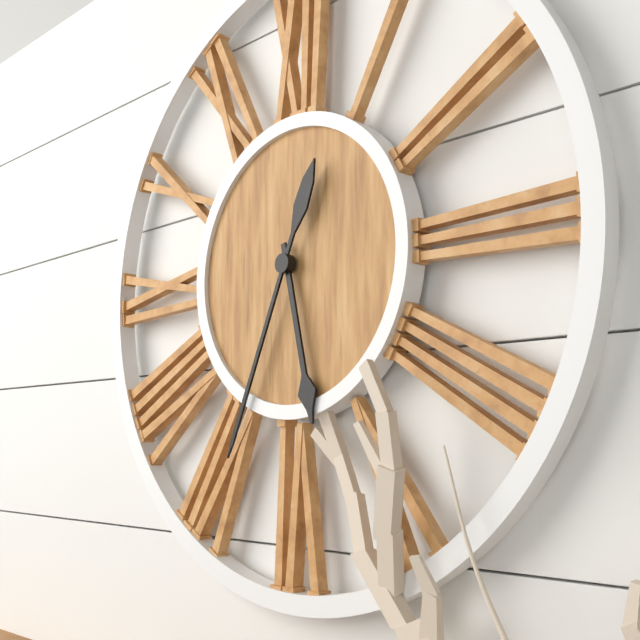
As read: 5:34
